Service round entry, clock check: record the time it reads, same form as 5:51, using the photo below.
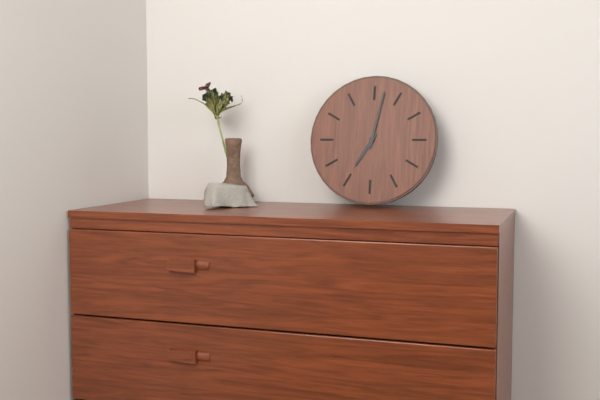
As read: 7:02
